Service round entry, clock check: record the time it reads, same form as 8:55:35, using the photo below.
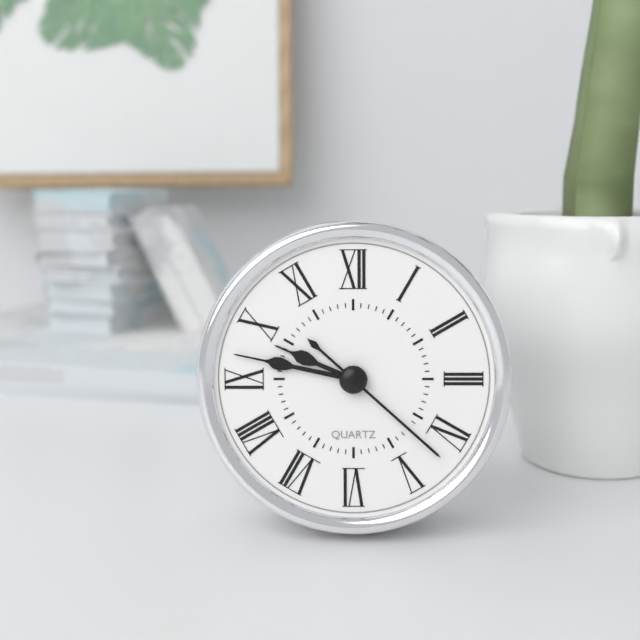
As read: 9:47:22
